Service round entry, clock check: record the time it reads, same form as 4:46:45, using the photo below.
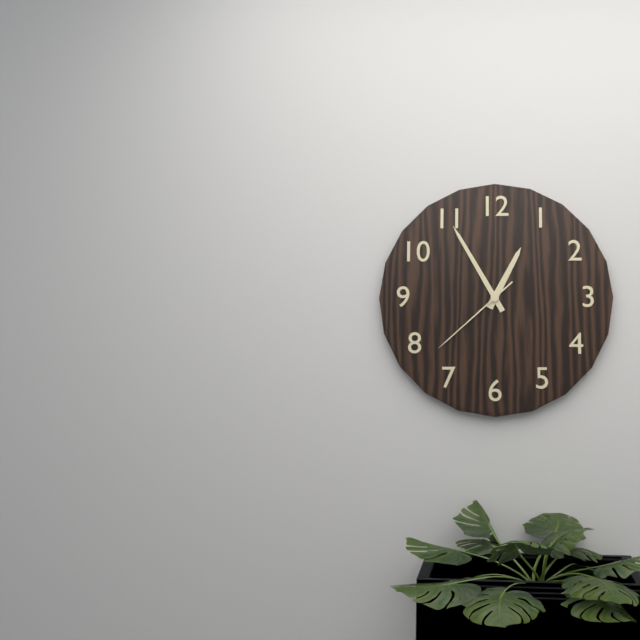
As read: 12:55:38
